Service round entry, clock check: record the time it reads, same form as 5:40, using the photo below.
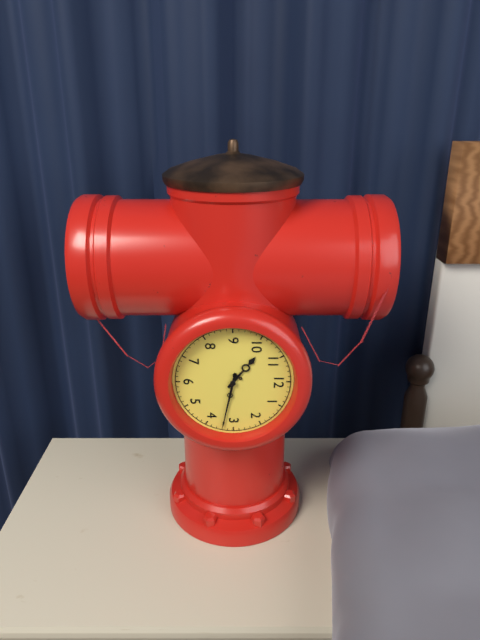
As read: 10:17
